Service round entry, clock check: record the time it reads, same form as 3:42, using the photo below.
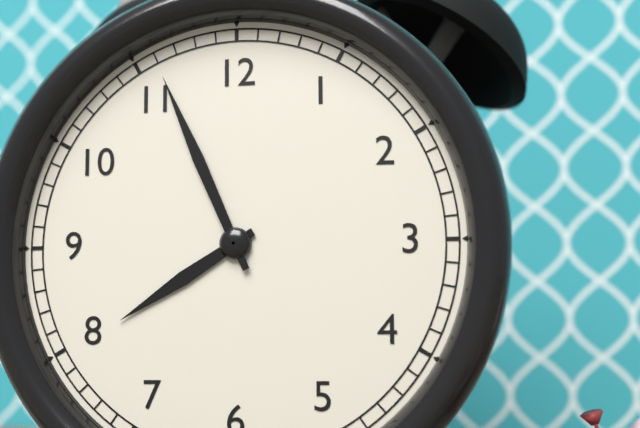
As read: 7:56
